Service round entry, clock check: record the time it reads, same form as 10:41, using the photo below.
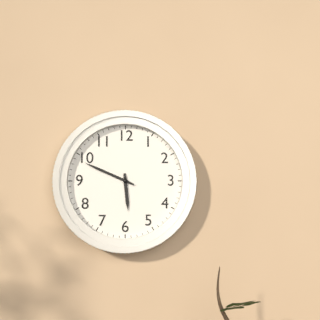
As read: 5:49
